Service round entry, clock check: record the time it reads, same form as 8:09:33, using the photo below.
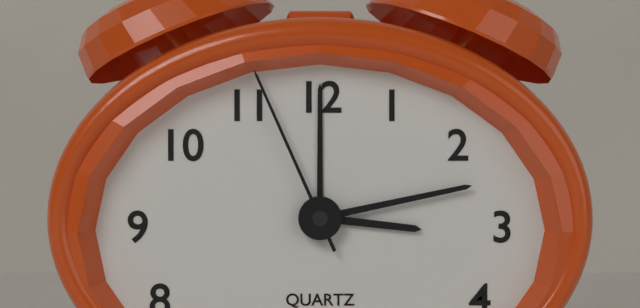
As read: 3:13:56
